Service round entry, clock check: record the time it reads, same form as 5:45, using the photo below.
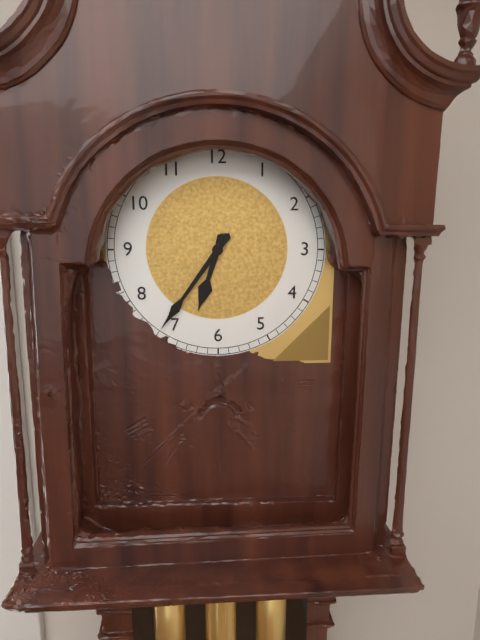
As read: 6:36
